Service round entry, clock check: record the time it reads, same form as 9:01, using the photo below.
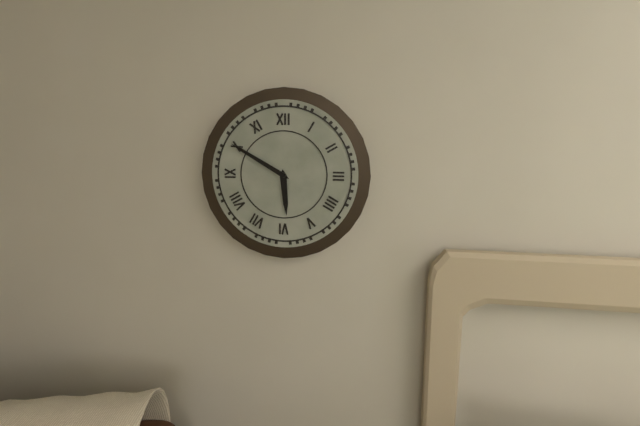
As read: 5:50
